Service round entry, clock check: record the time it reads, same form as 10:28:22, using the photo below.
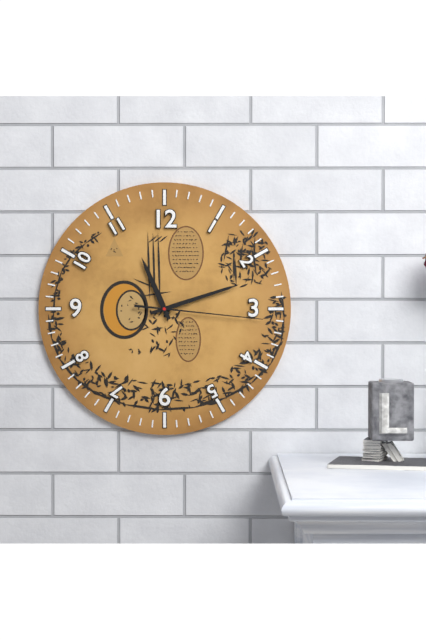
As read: 11:12:16
